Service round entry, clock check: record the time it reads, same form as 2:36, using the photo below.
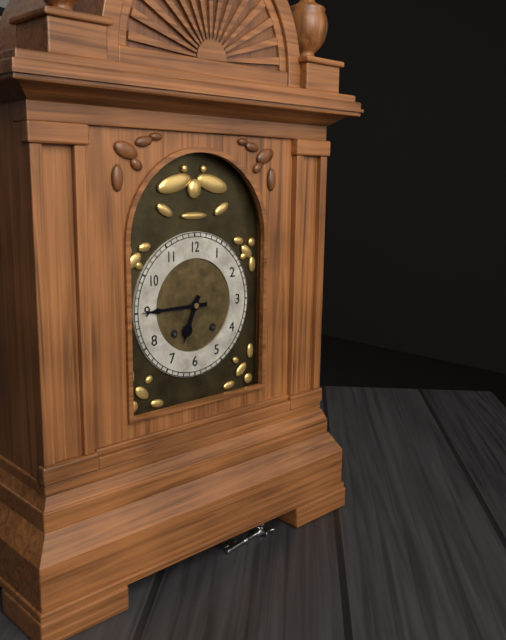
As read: 6:45
